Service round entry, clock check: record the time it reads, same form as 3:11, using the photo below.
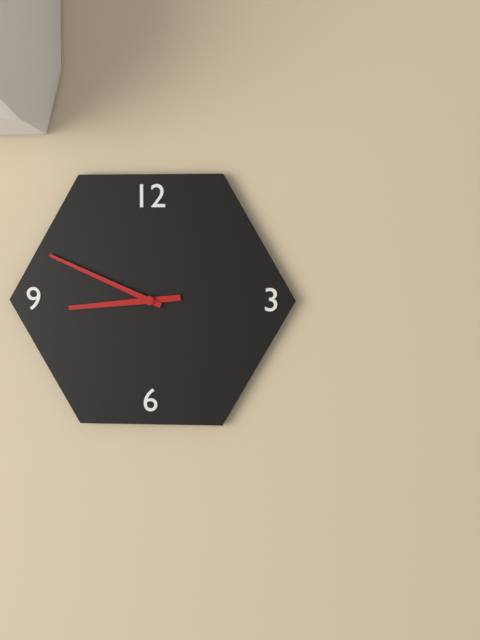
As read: 8:49
